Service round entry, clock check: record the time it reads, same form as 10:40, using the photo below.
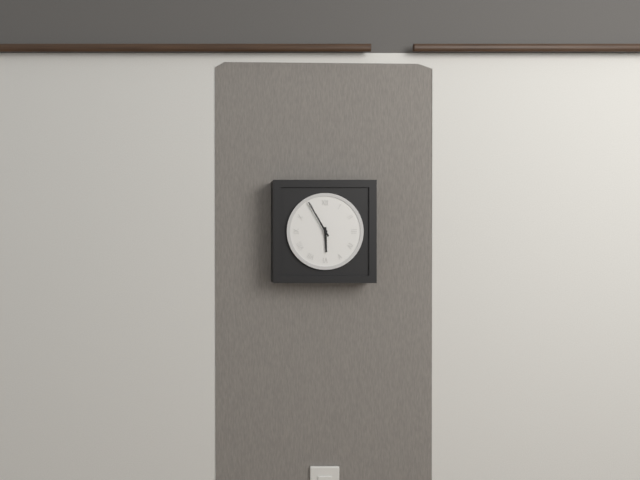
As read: 5:55
